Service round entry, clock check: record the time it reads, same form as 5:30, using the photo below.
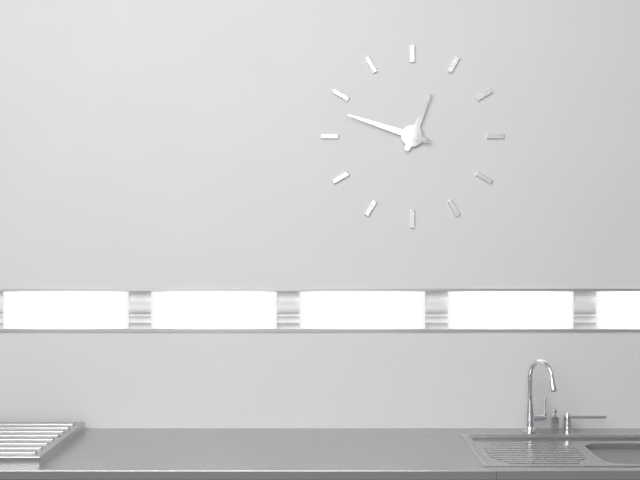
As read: 12:48
